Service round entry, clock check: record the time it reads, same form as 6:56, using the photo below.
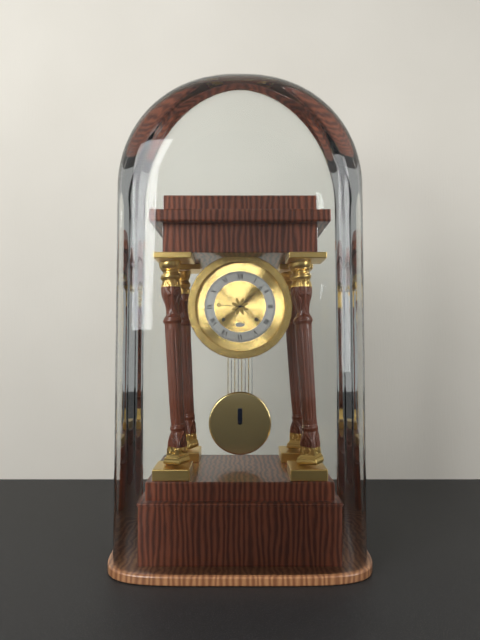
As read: 9:08
